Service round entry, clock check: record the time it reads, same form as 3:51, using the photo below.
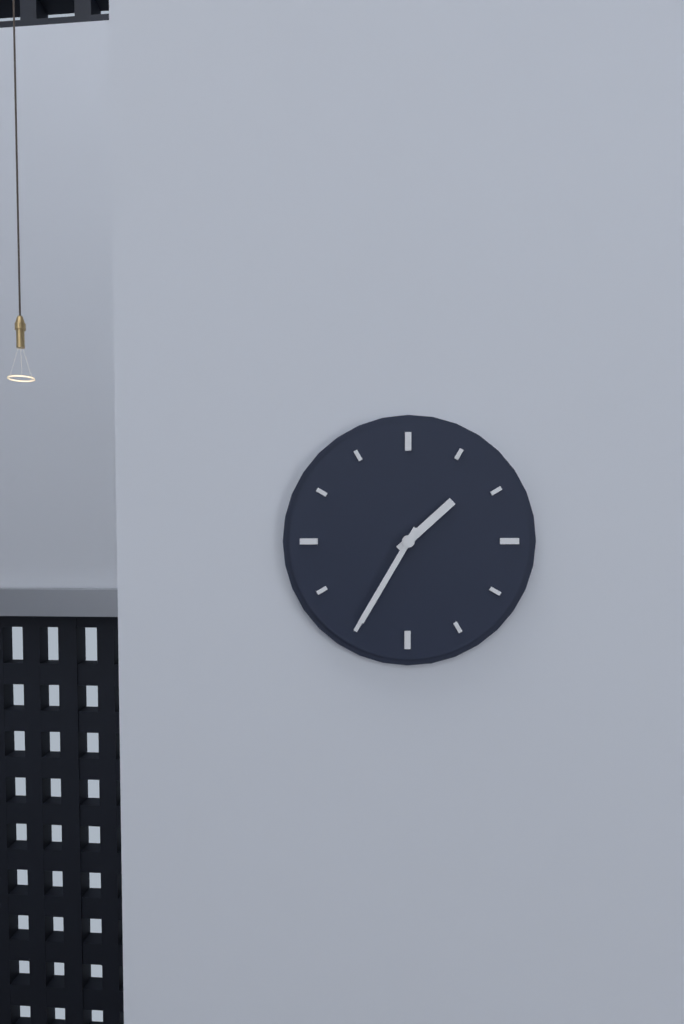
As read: 1:35
